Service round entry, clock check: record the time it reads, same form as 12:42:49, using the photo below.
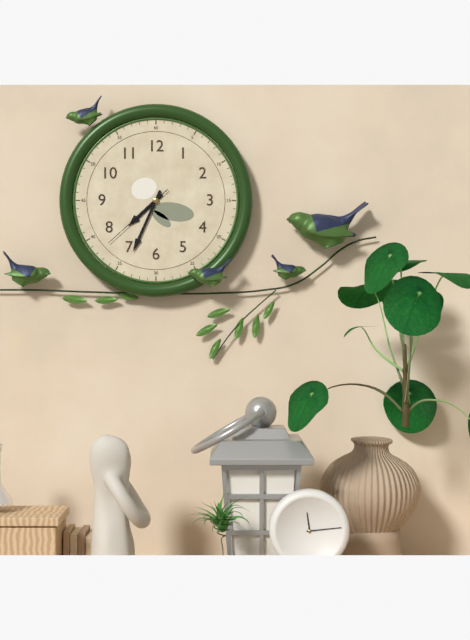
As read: 7:34:38
